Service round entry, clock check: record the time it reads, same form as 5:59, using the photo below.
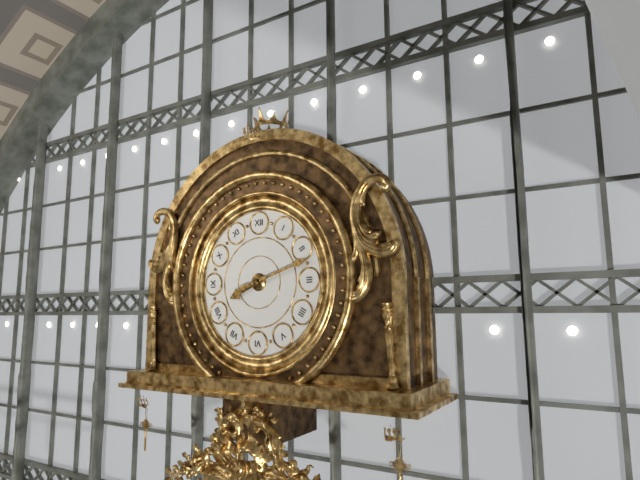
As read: 8:12
